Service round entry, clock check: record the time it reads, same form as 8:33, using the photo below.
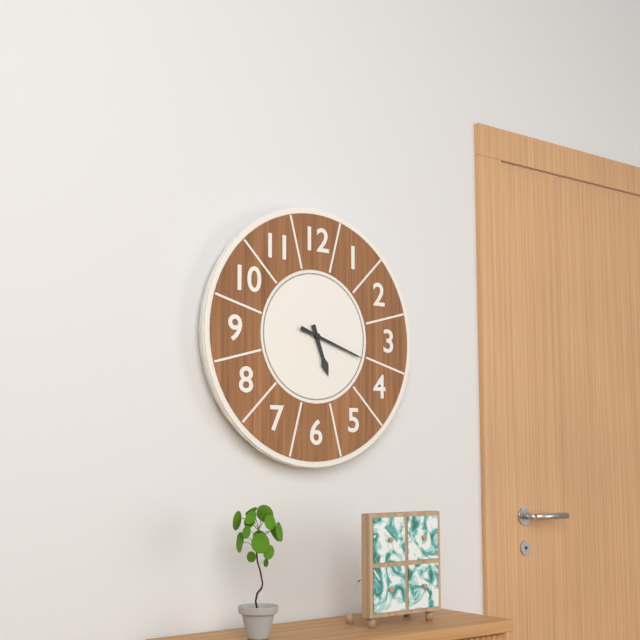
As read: 5:18
